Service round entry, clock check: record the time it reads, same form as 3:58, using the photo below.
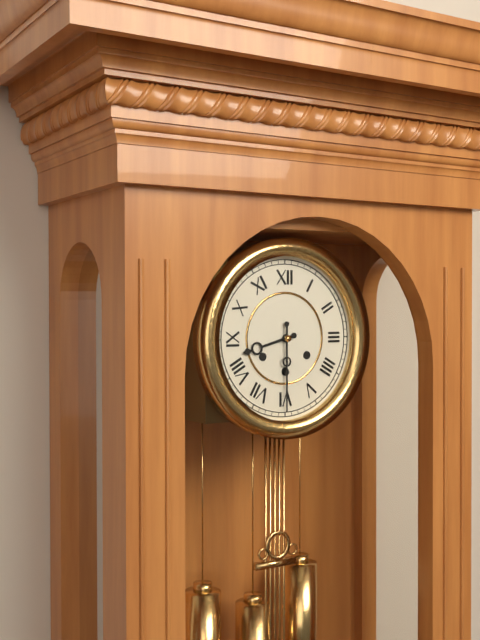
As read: 8:30
